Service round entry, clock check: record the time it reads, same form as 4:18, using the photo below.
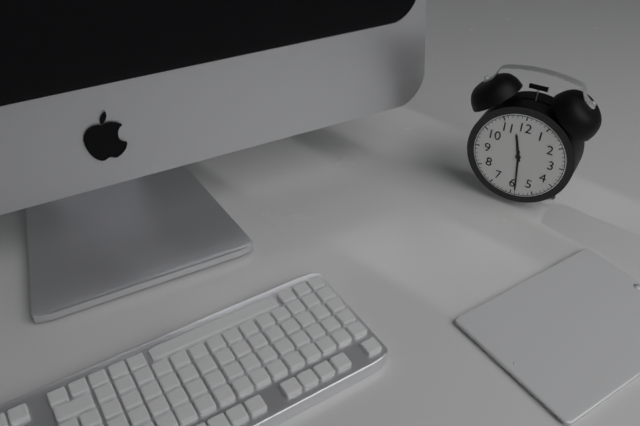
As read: 11:29
